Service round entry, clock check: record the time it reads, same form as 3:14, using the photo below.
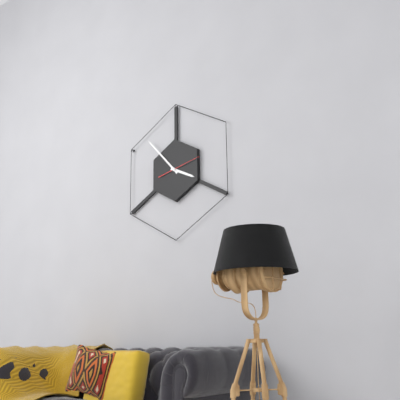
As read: 3:53
